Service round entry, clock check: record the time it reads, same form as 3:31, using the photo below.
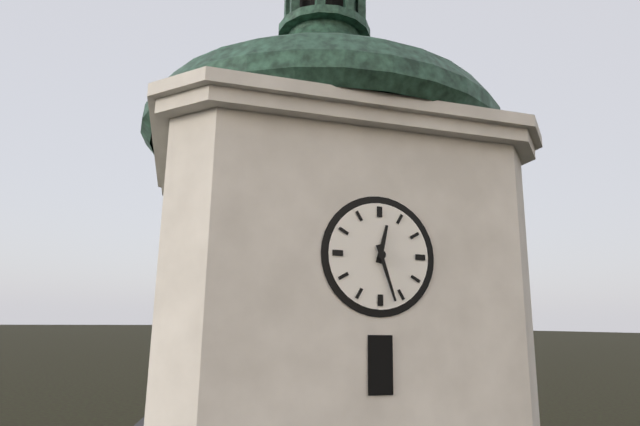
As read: 12:27
